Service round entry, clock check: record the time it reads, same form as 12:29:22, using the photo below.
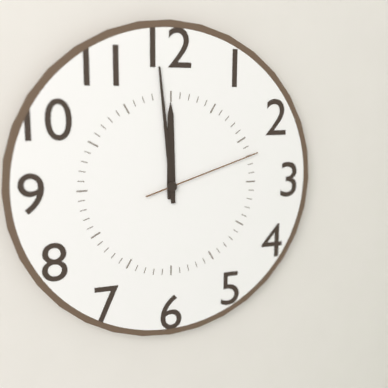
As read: 11:59:12
